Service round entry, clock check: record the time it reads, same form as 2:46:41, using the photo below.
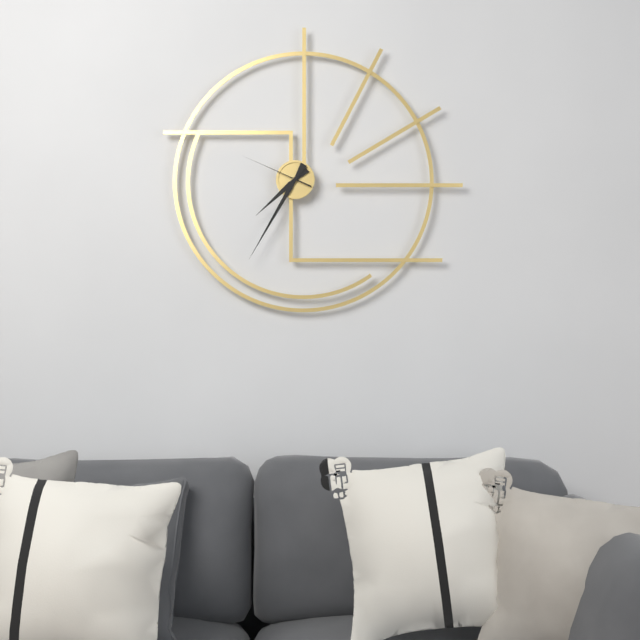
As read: 7:35:49
